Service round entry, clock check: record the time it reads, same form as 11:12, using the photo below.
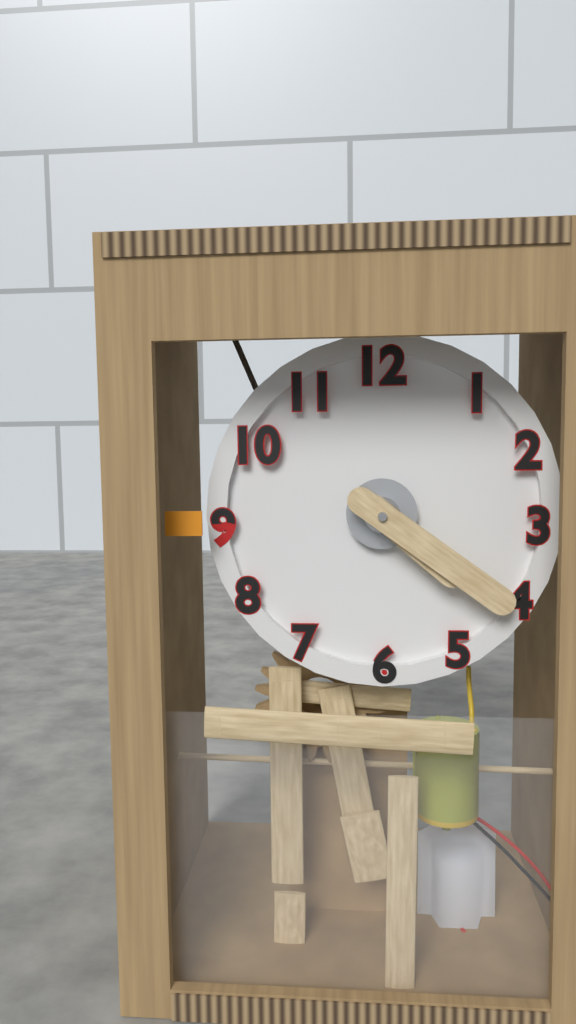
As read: 4:21
